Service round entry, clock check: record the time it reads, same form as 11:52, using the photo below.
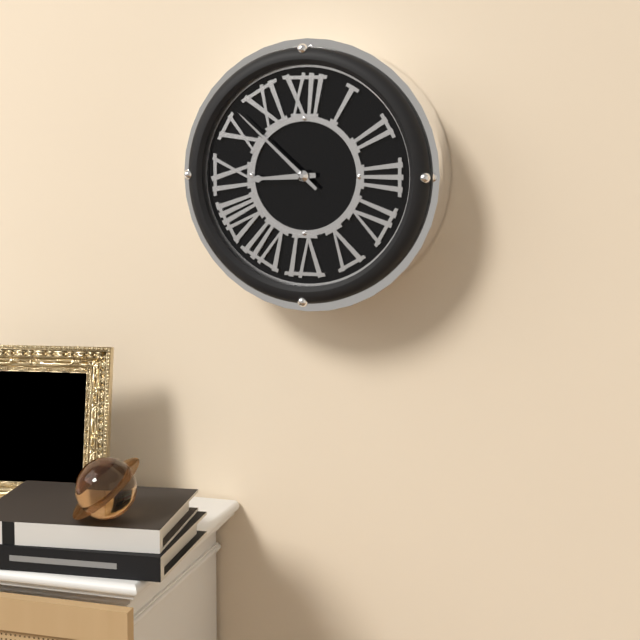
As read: 8:52
